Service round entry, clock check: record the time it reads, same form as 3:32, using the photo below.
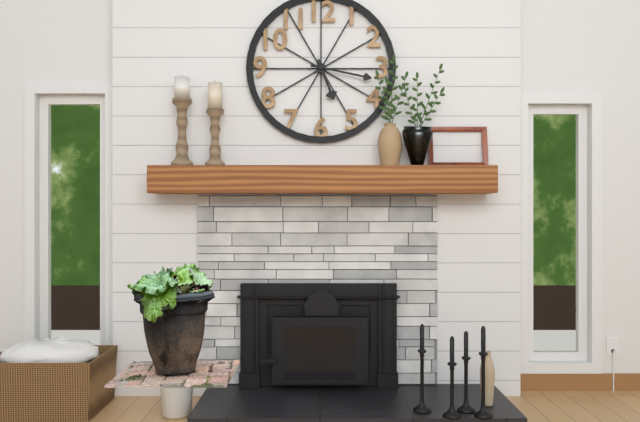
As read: 5:17
